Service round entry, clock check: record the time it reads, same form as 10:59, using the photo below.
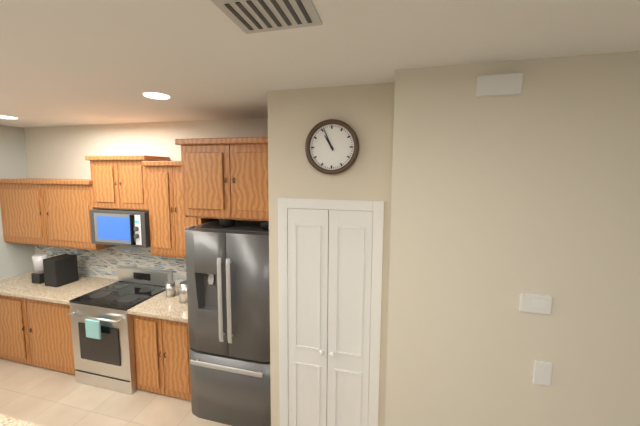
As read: 10:56
